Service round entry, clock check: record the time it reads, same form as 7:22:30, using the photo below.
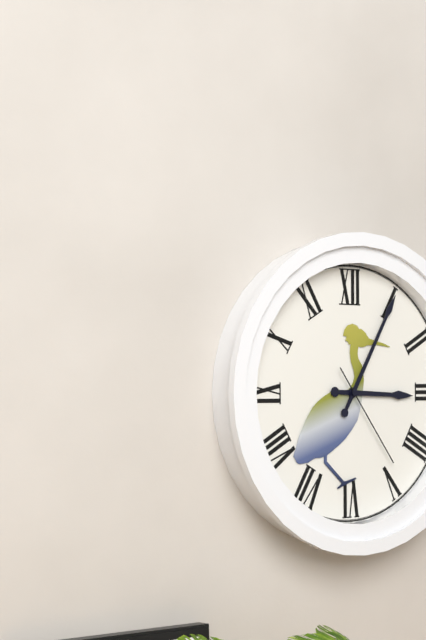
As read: 3:05:24
